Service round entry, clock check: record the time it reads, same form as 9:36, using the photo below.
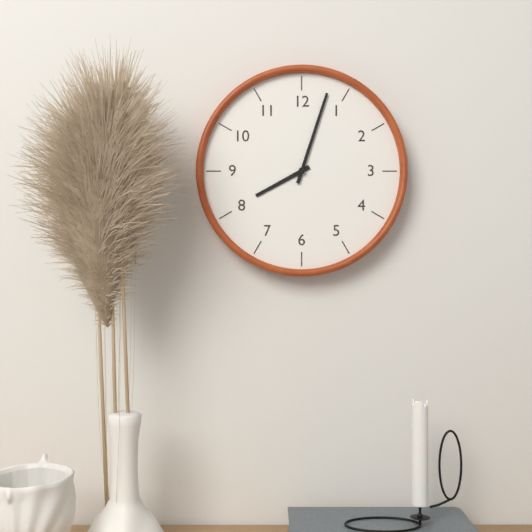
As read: 8:03
